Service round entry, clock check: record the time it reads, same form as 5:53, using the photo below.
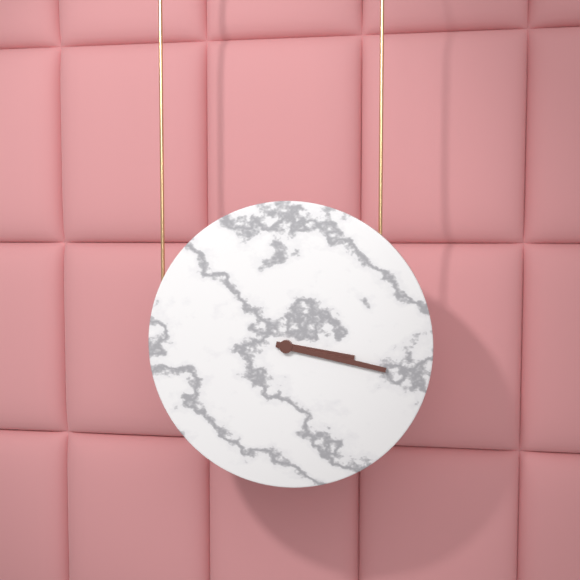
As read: 3:17
